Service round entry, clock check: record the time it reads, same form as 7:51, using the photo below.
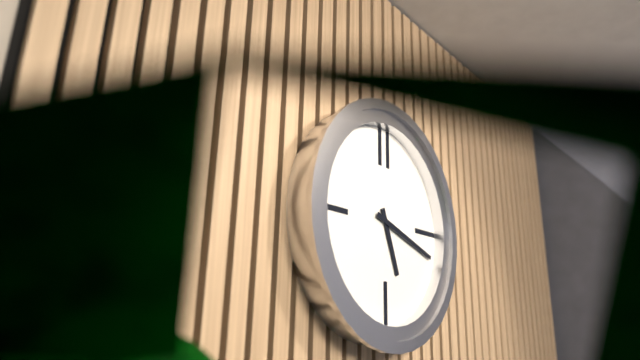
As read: 5:18
